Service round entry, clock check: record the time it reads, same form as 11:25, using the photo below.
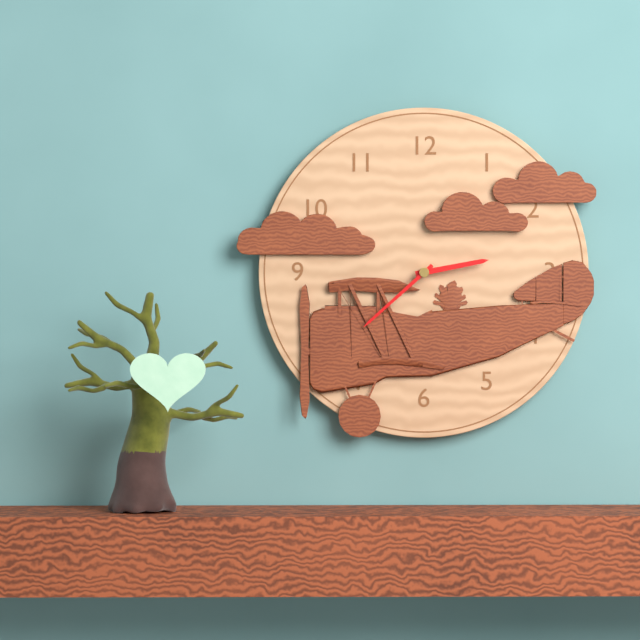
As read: 2:38
